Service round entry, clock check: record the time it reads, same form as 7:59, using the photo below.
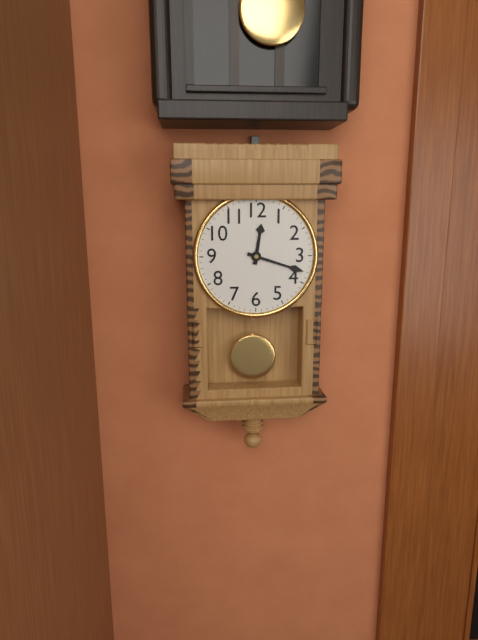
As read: 12:18
